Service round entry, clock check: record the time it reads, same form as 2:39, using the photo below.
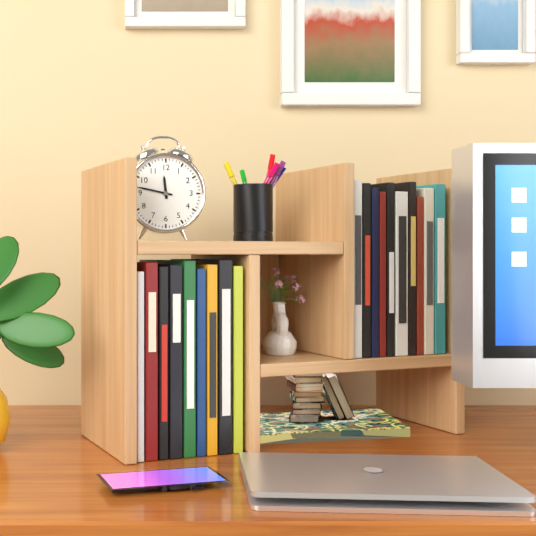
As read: 11:47
